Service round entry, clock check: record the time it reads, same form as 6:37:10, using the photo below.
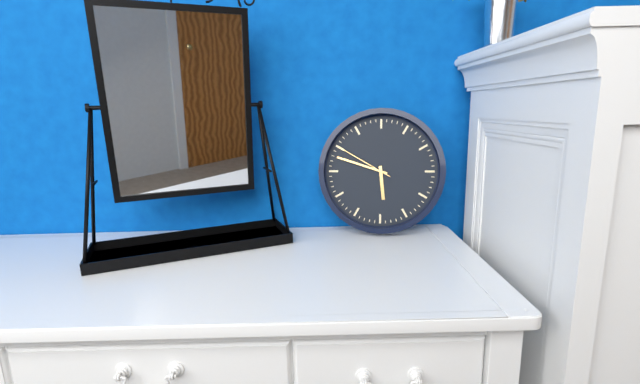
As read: 5:48:50
